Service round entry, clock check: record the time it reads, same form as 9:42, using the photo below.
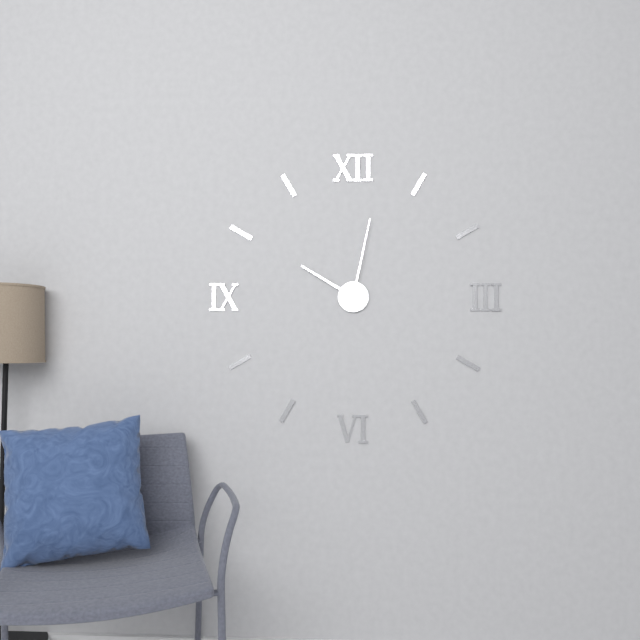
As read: 10:02
